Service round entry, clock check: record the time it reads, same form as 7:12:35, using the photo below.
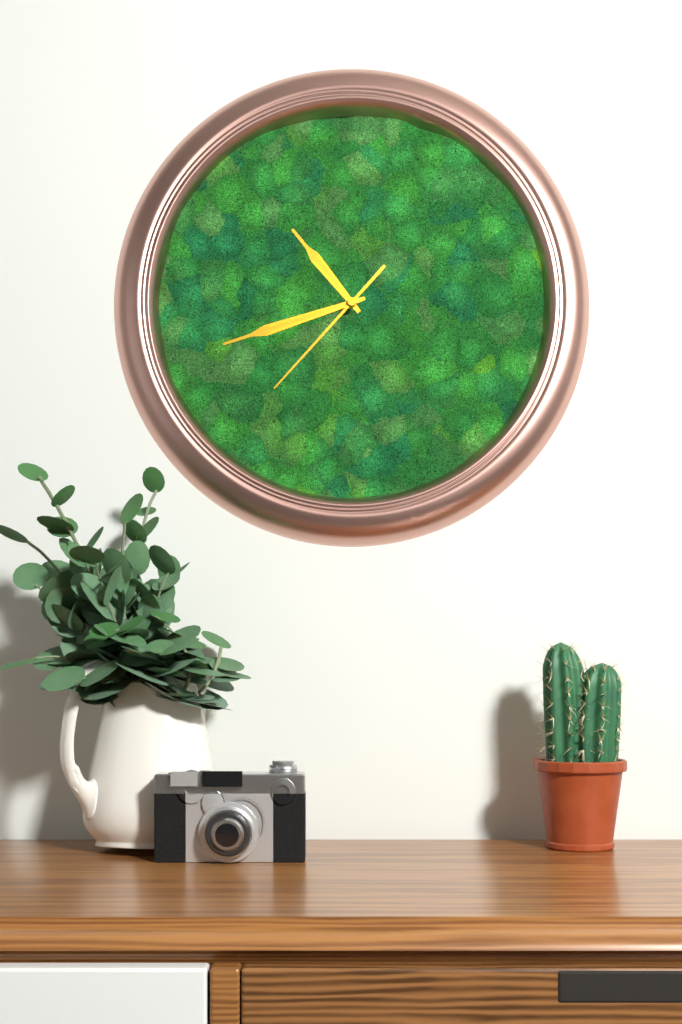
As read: 10:42:37
